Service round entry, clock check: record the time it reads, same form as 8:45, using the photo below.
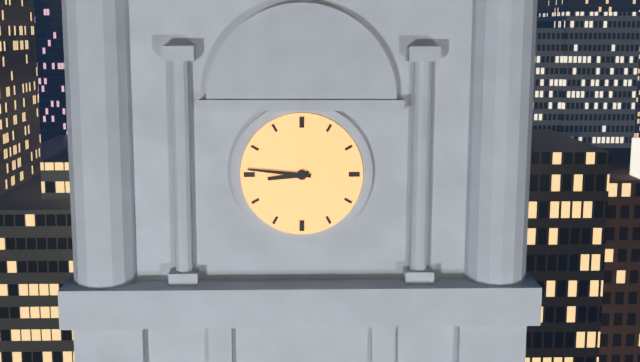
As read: 8:46
